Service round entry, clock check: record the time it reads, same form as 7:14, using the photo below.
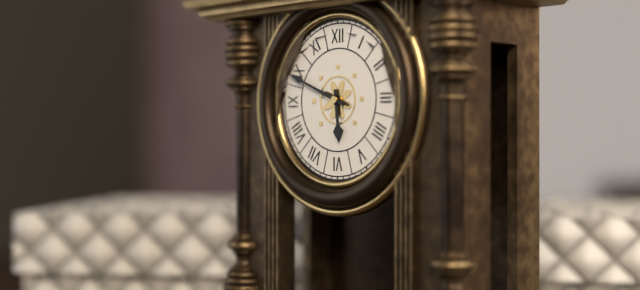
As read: 5:49
